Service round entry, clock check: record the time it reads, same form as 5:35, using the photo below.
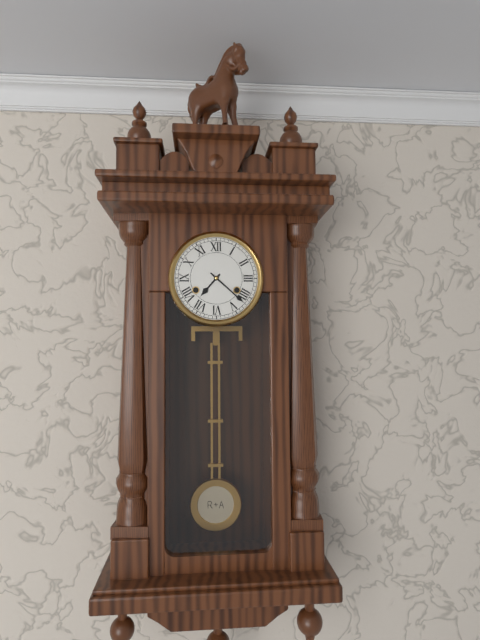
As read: 7:22
